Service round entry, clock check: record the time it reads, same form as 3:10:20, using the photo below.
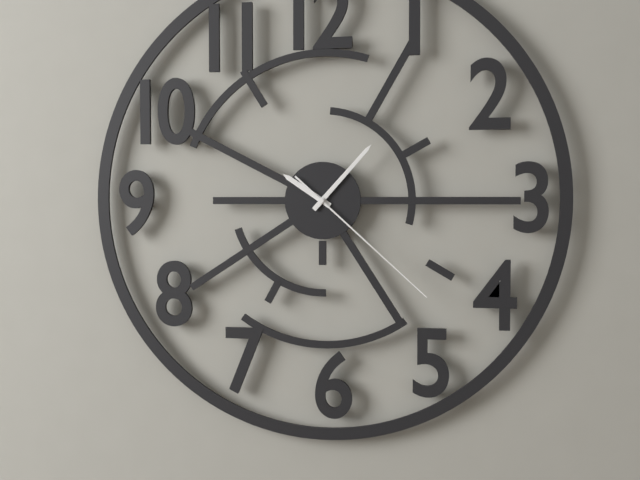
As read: 10:07:22
